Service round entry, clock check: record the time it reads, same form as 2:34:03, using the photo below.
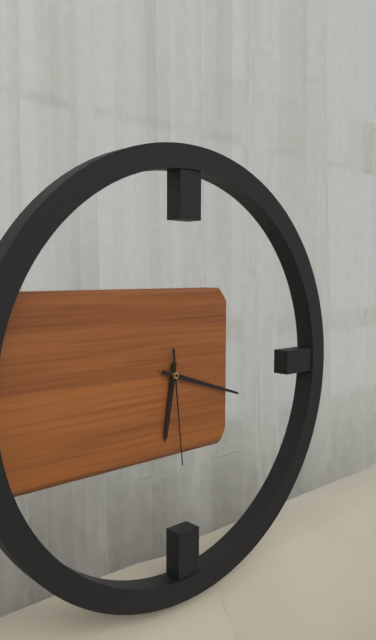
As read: 6:18:29
